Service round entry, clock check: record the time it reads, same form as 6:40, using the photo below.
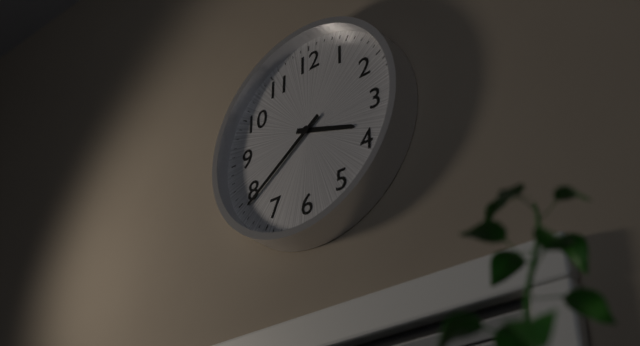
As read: 3:39
